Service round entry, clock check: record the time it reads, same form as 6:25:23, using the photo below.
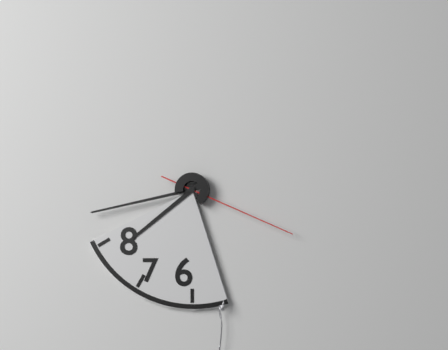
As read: 7:43:19
